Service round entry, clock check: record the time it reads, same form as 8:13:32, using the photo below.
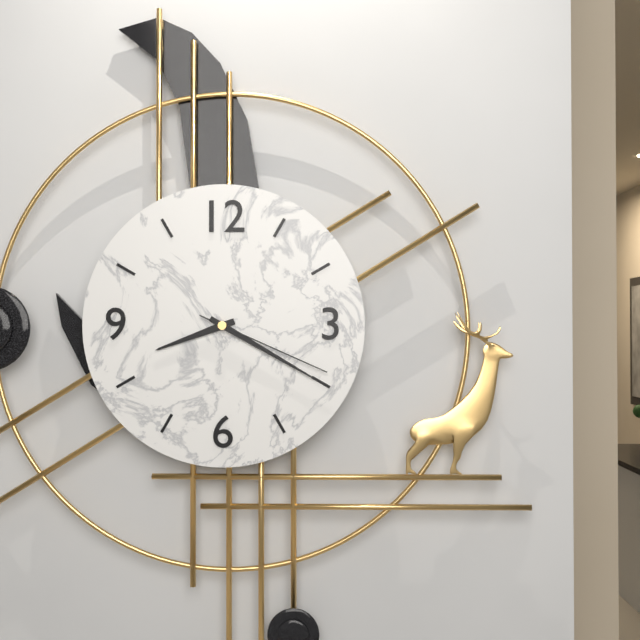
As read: 8:20:19
